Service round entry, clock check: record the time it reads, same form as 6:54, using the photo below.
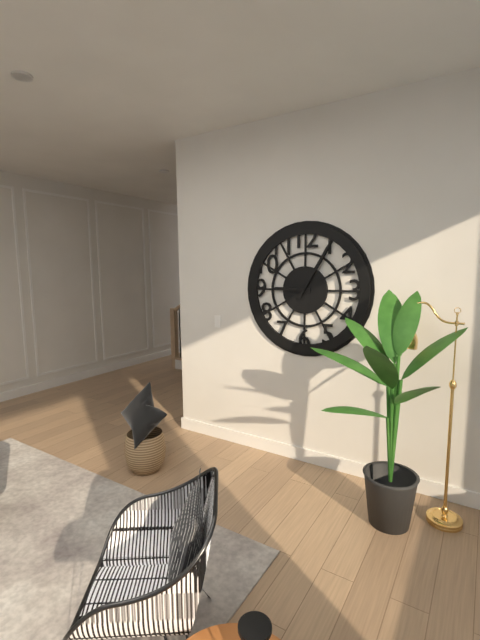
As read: 9:05
